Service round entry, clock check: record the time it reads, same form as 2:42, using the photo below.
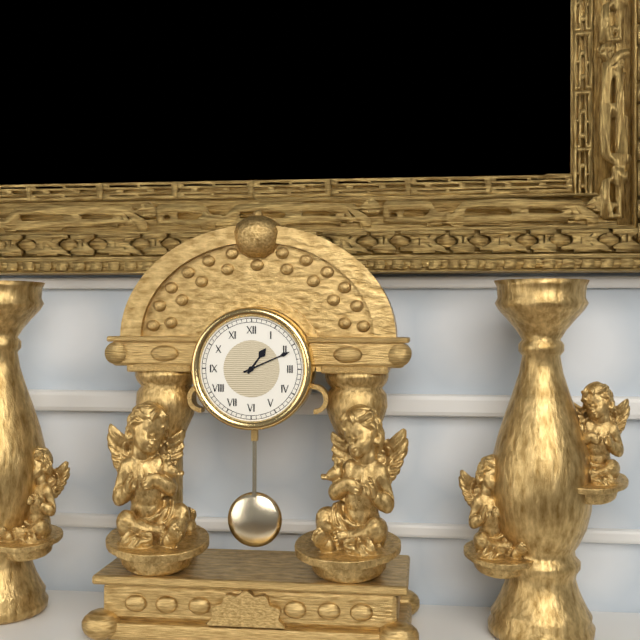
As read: 1:11
